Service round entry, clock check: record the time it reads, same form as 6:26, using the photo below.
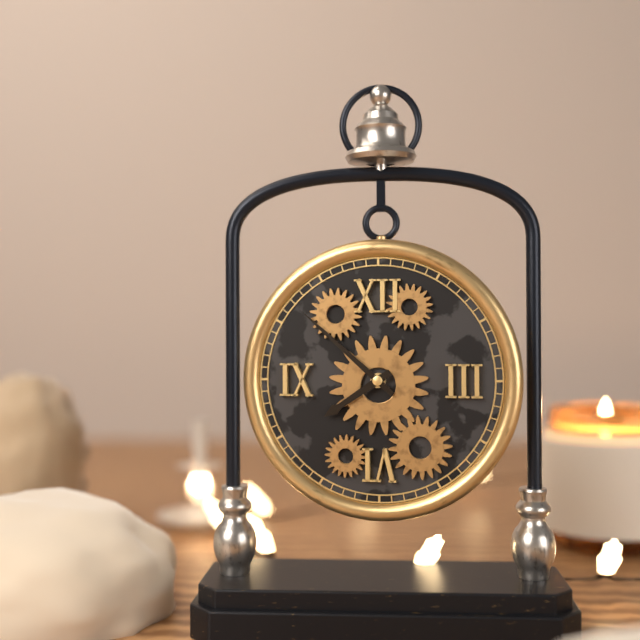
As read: 7:52
